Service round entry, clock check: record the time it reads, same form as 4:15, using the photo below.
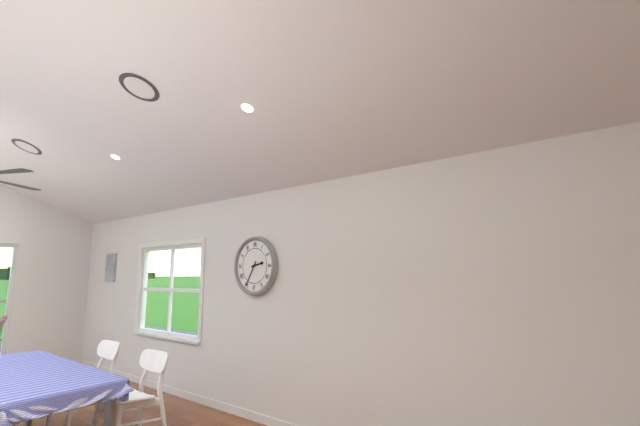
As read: 2:35
